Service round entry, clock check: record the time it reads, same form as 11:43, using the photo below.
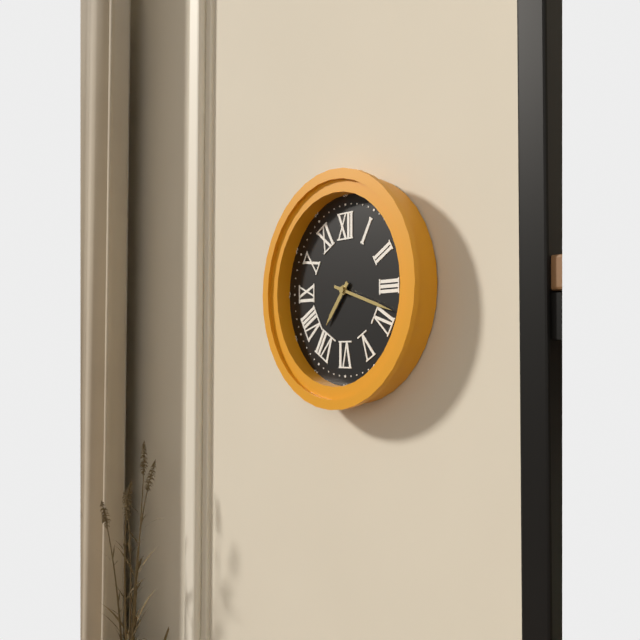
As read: 7:18
